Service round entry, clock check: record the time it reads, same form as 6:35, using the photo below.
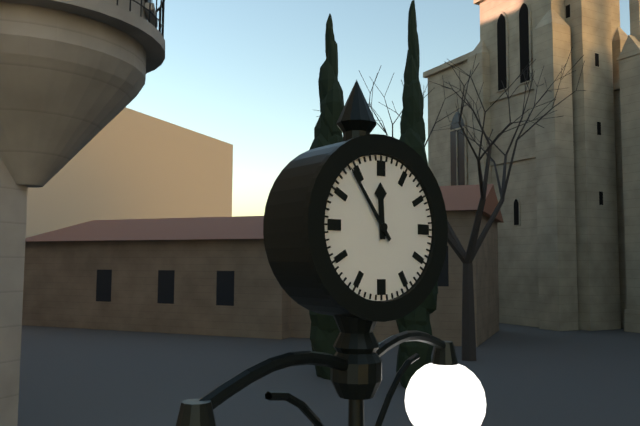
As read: 11:54
